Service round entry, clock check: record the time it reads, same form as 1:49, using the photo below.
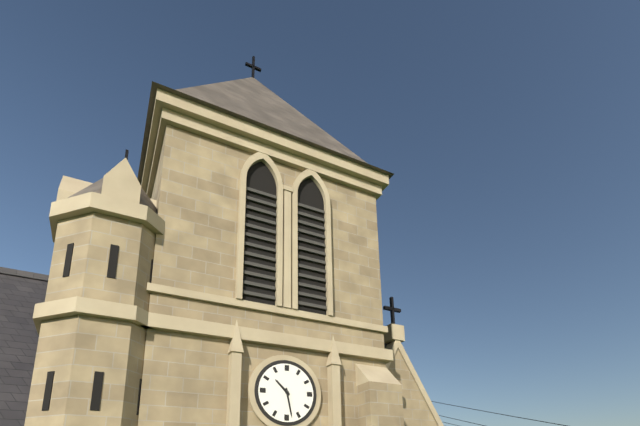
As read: 10:28
